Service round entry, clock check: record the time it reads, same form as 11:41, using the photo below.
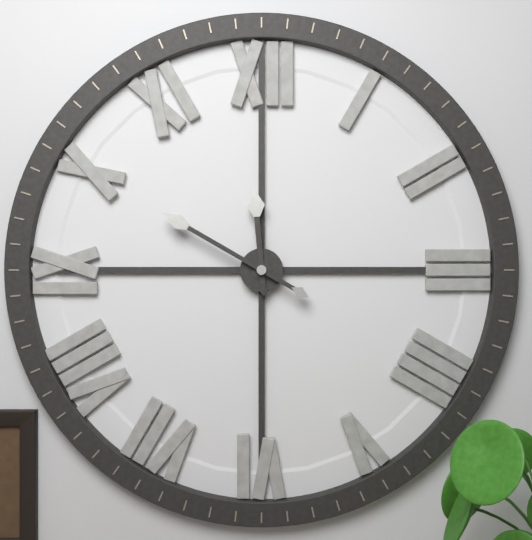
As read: 11:50
